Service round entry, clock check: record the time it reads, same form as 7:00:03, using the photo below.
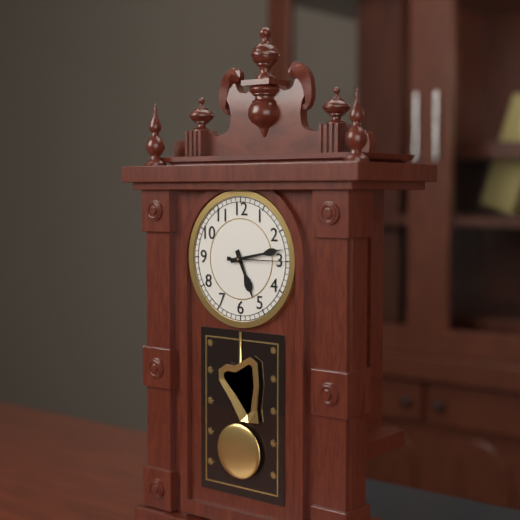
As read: 5:13:15
